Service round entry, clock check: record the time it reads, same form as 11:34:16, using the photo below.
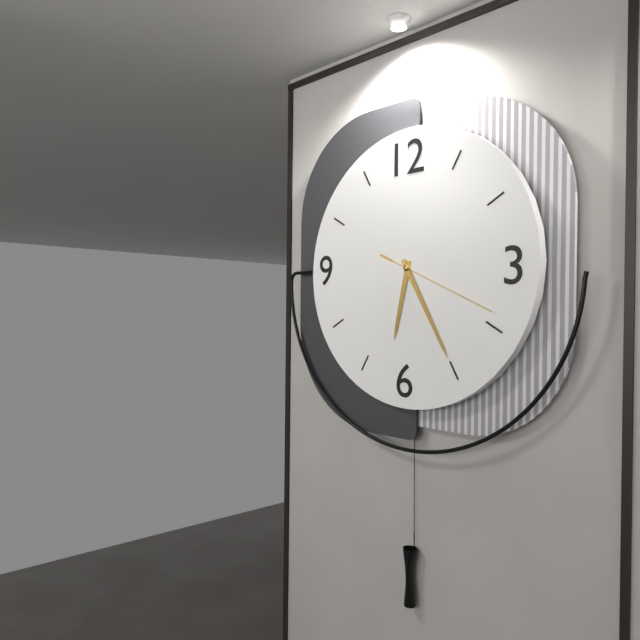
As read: 6:25:19
